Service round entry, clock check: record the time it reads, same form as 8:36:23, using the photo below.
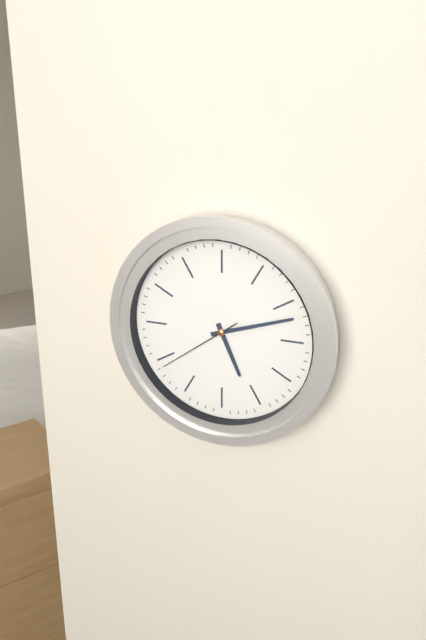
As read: 5:12:39
